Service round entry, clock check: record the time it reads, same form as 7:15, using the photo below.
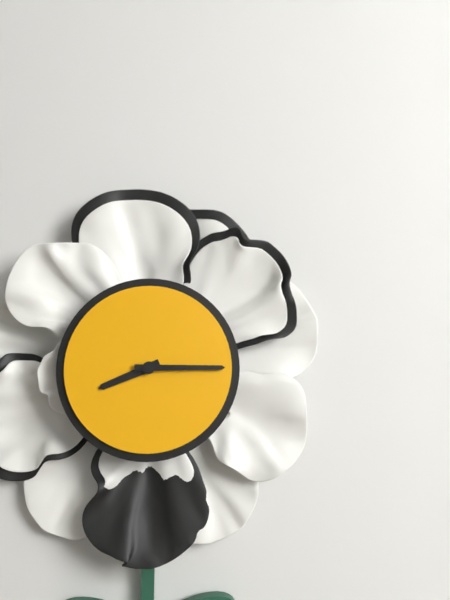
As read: 8:15
